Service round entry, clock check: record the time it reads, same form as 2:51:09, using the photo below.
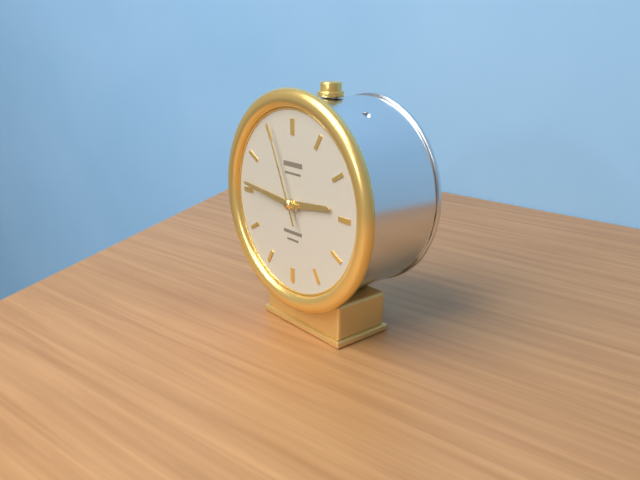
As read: 2:46:56
